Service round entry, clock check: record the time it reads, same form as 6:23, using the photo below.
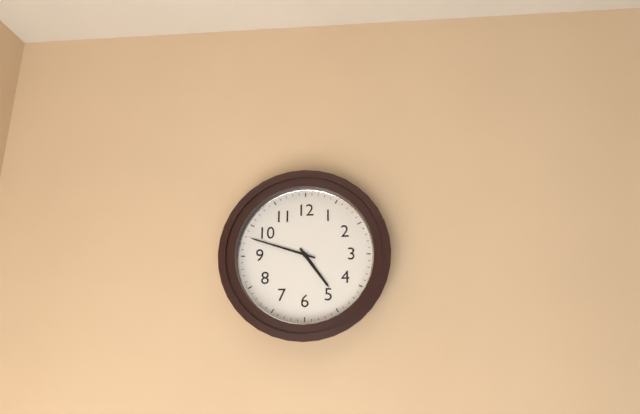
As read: 4:48
